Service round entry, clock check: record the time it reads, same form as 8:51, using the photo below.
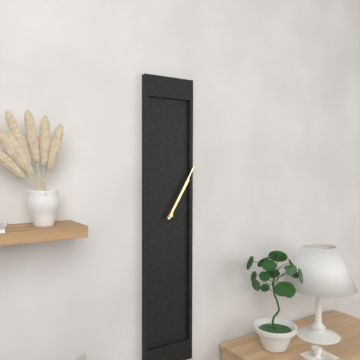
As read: 1:05
